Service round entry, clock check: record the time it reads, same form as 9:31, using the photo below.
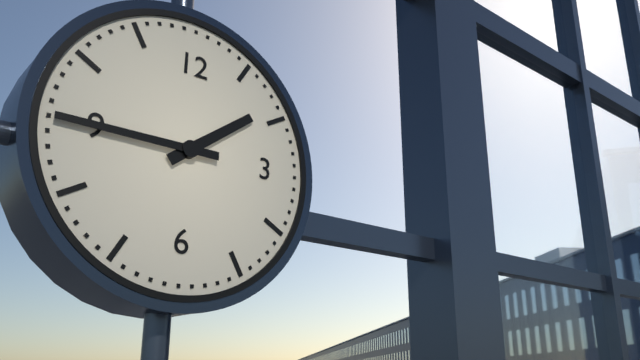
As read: 1:45
